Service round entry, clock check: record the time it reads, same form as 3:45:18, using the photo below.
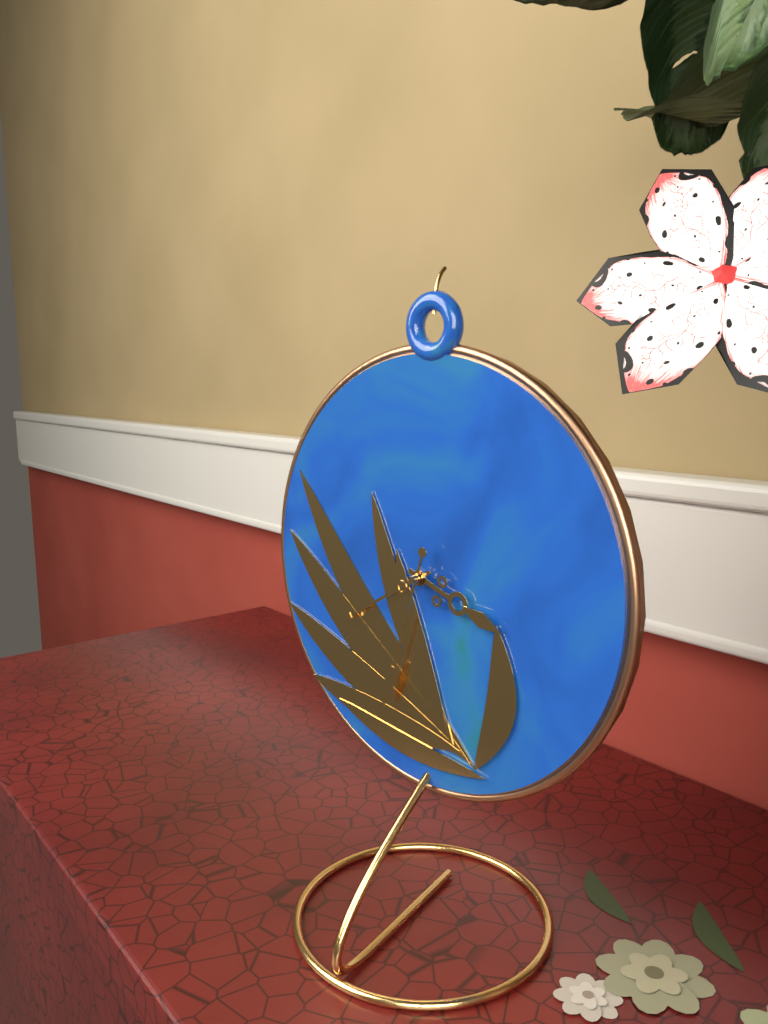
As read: 3:40:33
